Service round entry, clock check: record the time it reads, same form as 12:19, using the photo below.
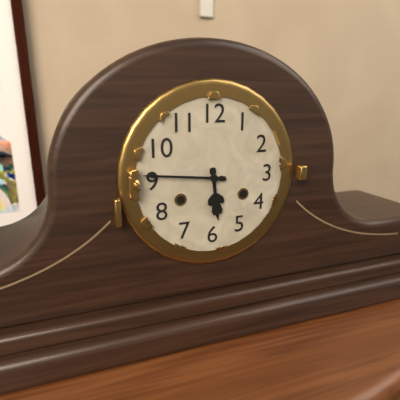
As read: 5:46
